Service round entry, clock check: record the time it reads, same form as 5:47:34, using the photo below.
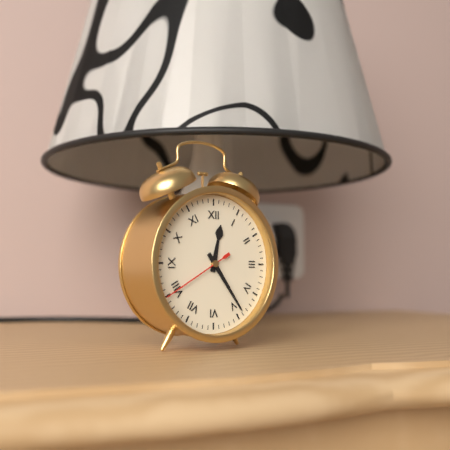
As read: 12:24:40
